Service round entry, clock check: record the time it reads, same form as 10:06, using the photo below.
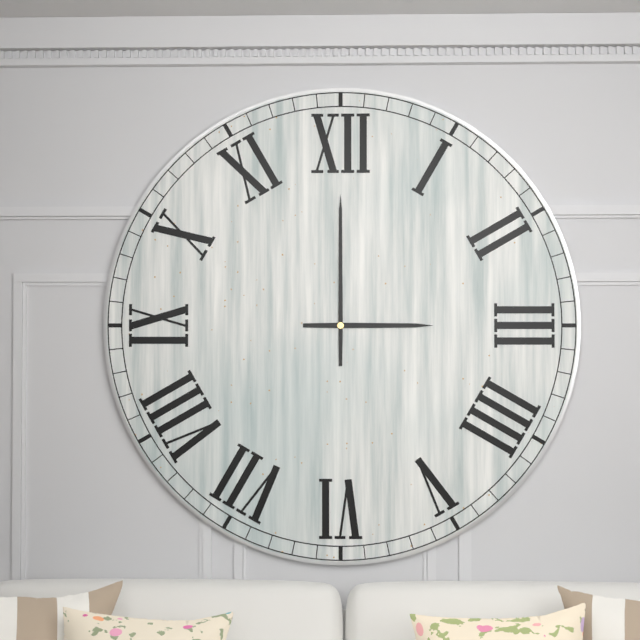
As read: 3:00
